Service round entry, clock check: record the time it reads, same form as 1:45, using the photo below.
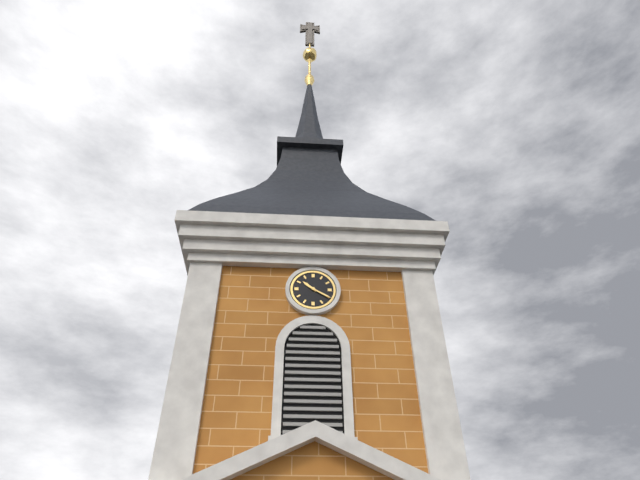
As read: 10:20
